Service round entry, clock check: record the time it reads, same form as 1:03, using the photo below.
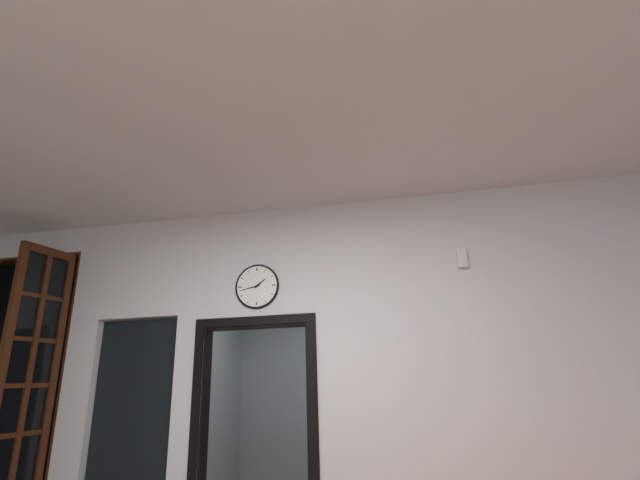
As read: 1:43
